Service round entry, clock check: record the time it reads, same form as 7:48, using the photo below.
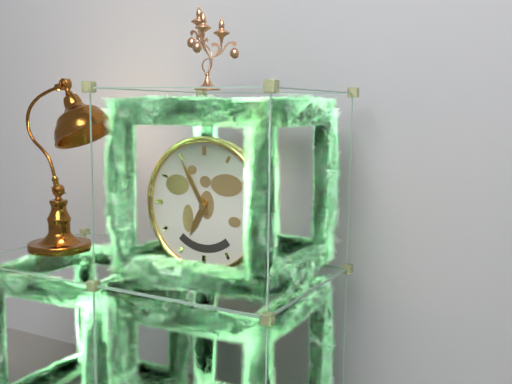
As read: 6:55
